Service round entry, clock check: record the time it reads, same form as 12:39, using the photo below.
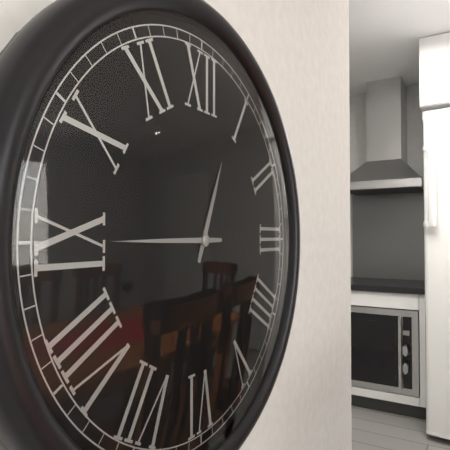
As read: 12:45
